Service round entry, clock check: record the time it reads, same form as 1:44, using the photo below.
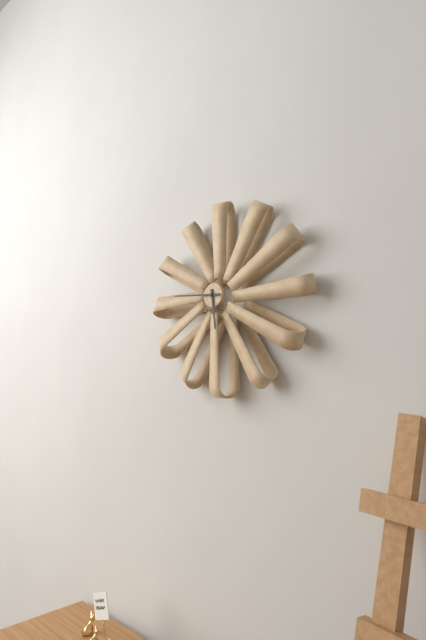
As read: 5:46
